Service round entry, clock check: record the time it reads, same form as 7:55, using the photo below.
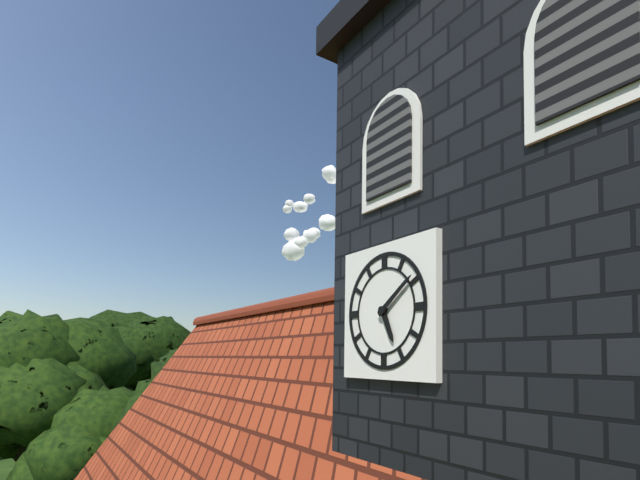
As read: 5:09
